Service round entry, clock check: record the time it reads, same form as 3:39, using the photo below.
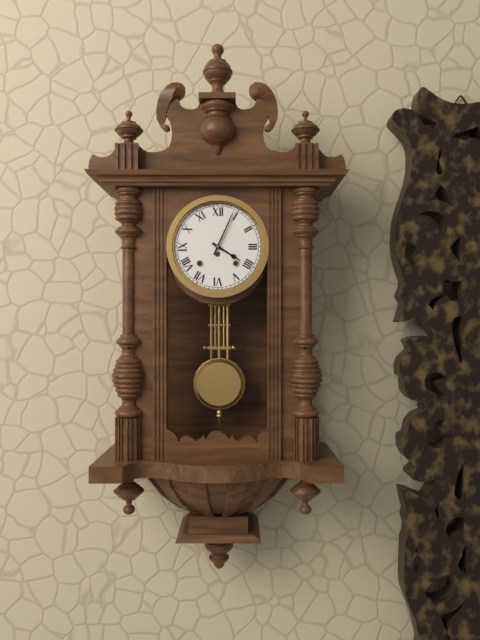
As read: 4:04
